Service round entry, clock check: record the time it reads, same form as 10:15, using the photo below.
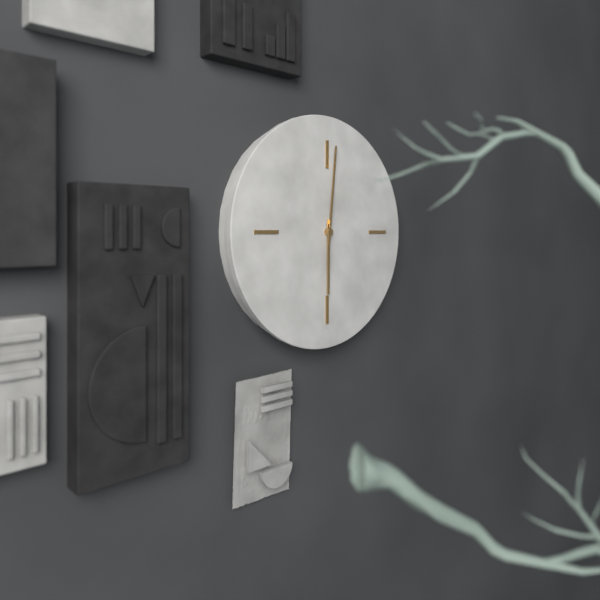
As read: 6:01
